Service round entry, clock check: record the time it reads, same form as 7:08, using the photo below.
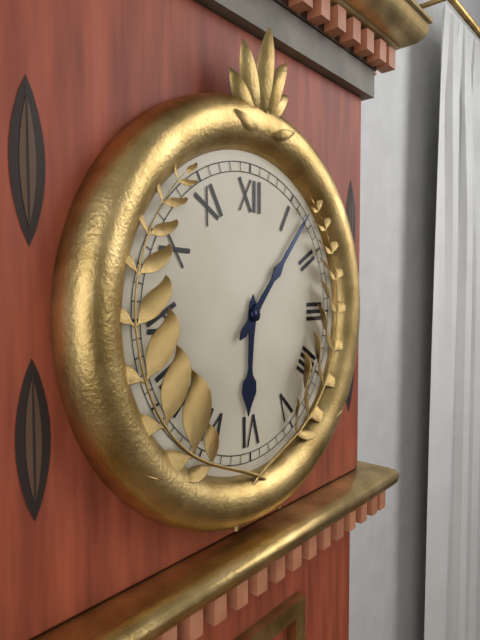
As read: 6:07
